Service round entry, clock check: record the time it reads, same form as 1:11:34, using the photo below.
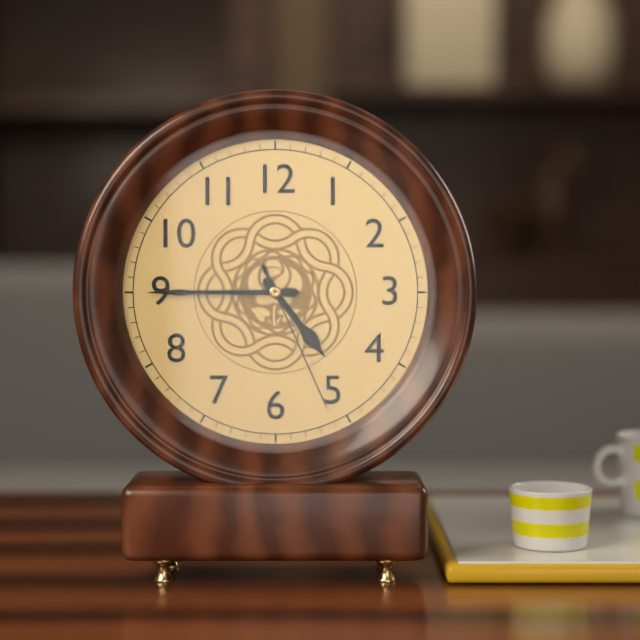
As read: 4:45:26
